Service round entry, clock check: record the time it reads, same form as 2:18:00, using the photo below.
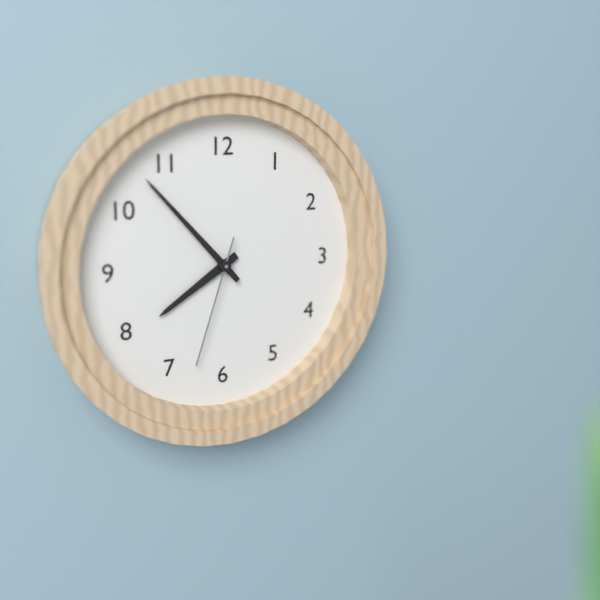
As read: 7:53:33
